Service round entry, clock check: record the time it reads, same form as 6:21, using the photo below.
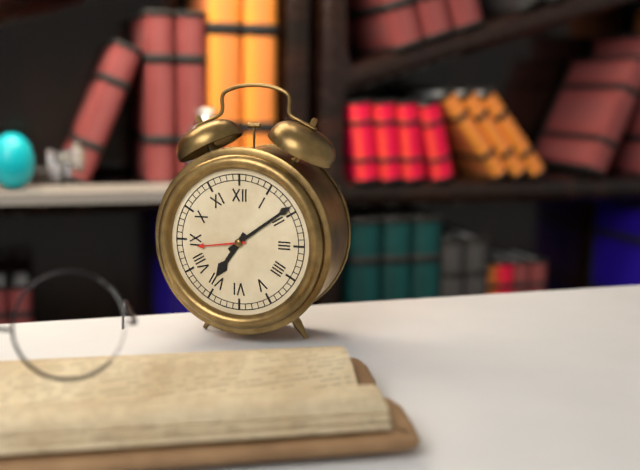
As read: 7:09
